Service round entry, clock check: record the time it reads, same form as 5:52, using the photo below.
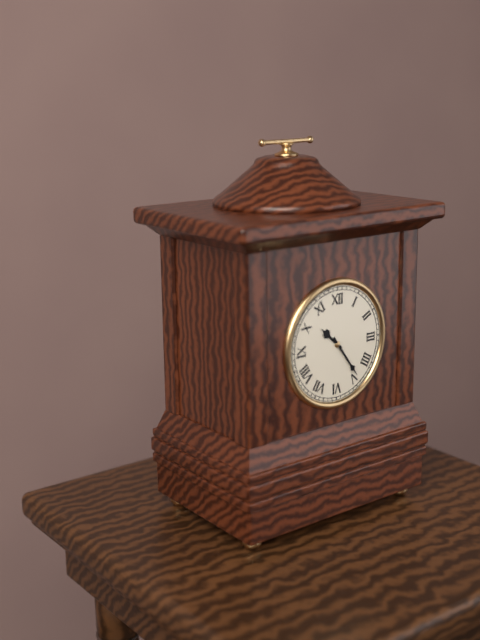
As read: 10:24
